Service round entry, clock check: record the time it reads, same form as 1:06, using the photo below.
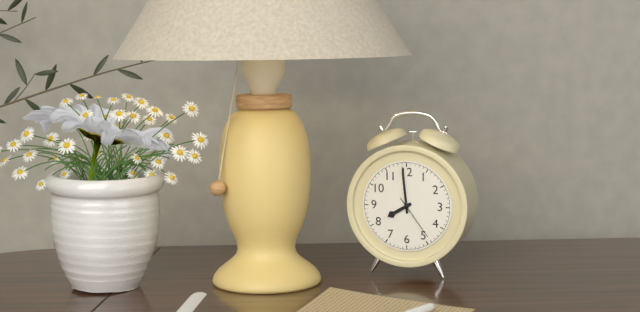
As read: 7:59
